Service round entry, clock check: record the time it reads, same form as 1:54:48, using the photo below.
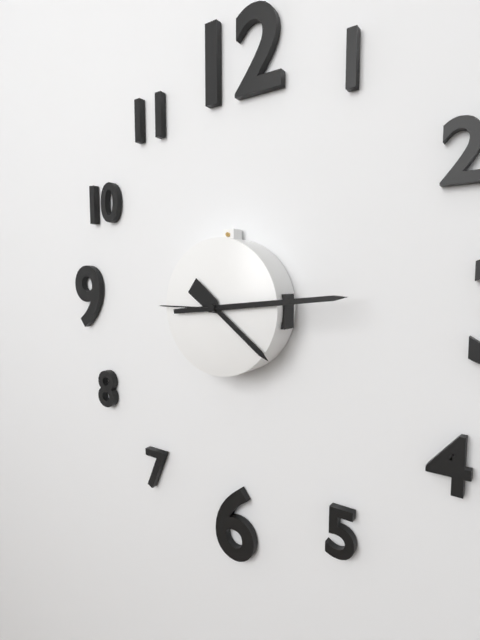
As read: 4:14:45
